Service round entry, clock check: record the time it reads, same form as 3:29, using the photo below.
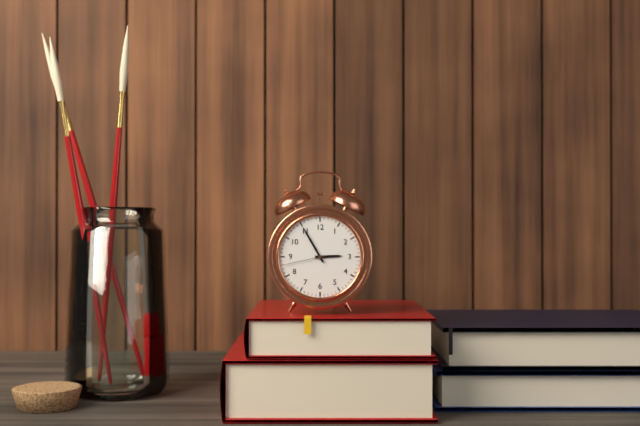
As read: 2:55
